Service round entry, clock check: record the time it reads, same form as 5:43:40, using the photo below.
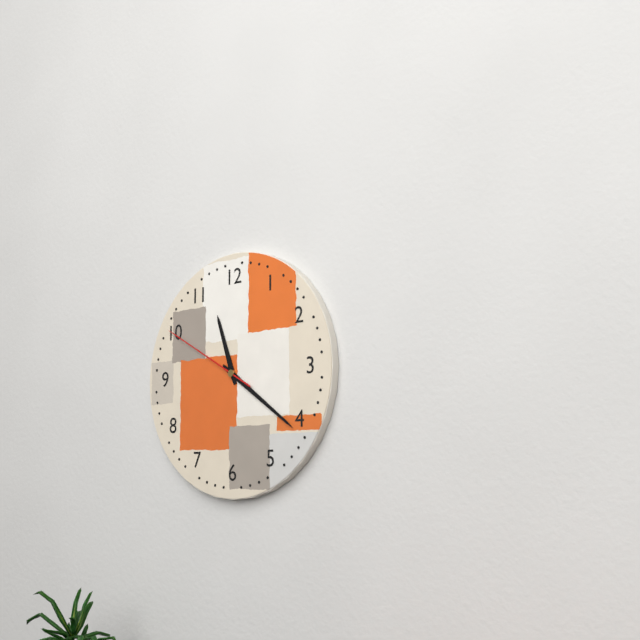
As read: 11:21:50
